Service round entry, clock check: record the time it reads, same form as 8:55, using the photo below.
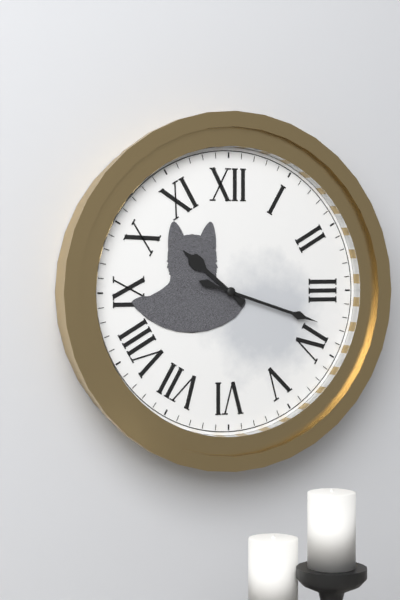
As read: 10:18
